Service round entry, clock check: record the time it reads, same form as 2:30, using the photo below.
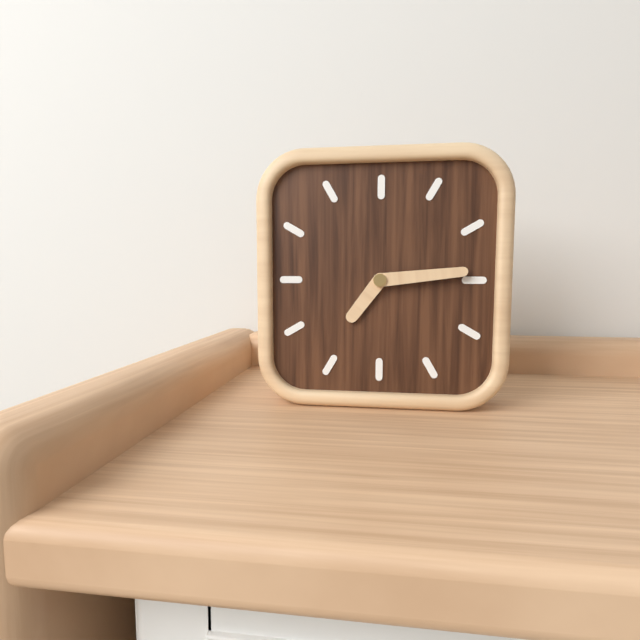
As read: 7:14
